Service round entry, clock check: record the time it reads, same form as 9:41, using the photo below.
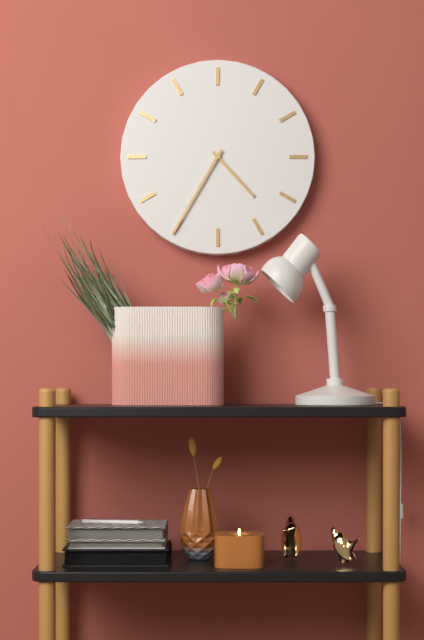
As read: 4:35
